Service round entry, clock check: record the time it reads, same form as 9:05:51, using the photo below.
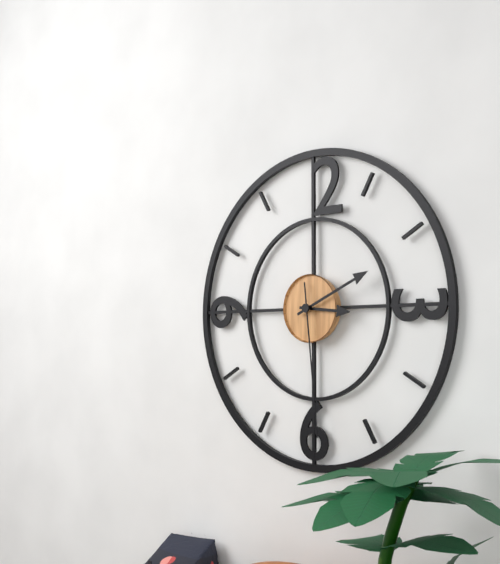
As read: 3:11:29
